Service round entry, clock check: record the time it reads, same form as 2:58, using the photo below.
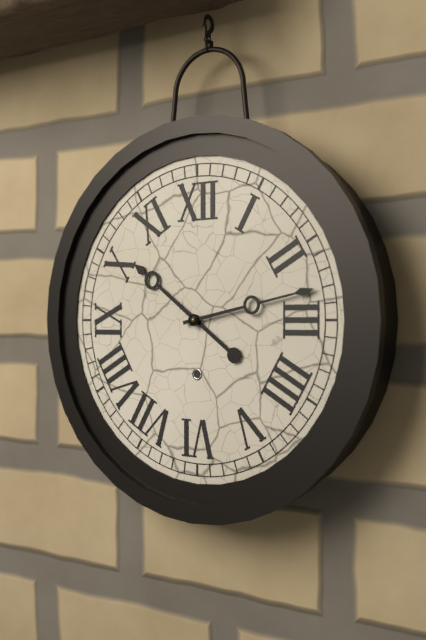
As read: 10:13
